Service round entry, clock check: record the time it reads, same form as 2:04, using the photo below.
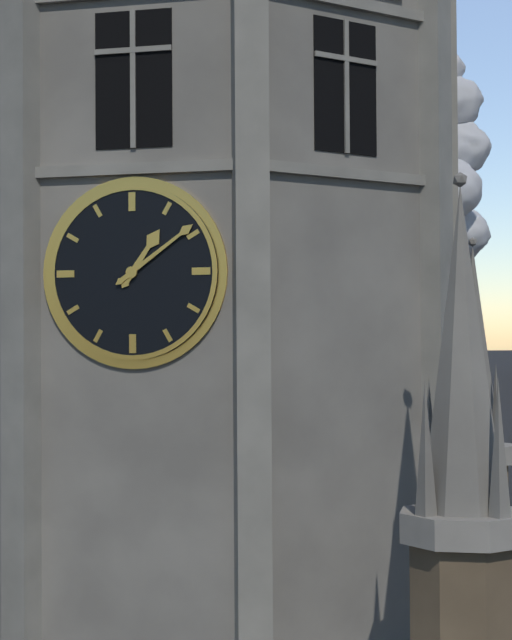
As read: 1:09
